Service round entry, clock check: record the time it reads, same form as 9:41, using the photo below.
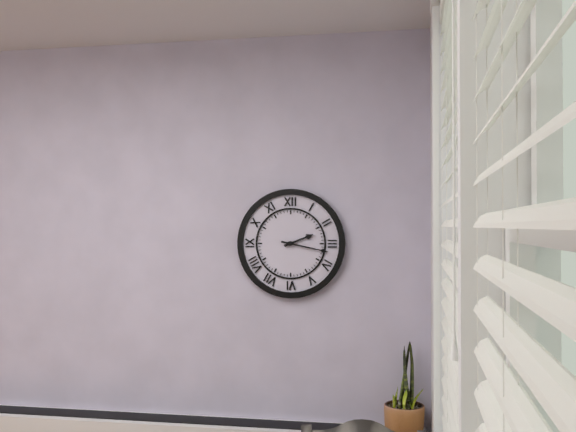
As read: 2:17
